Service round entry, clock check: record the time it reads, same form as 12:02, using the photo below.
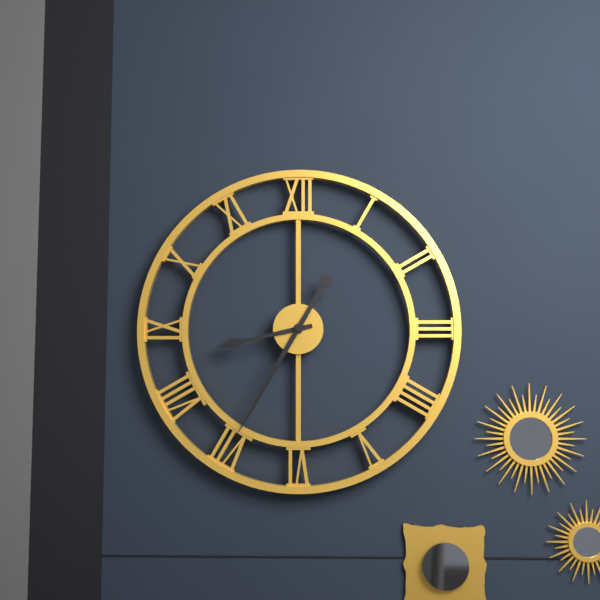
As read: 8:35
